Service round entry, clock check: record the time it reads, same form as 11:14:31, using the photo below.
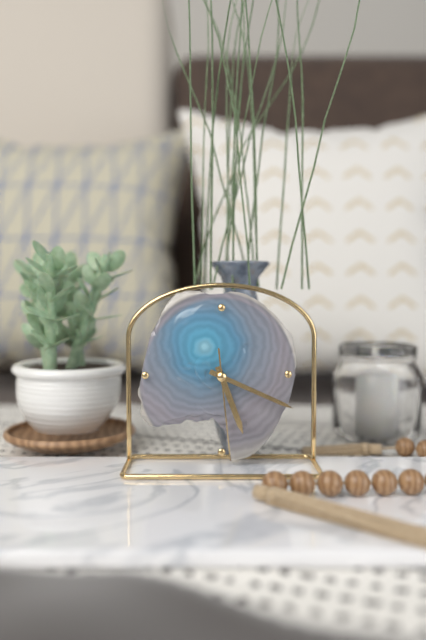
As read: 5:19:29
